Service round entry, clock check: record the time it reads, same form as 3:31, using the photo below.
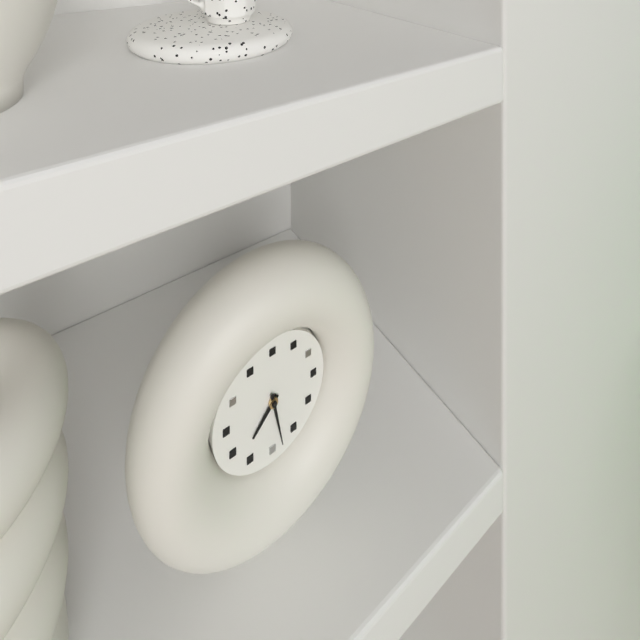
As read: 7:28
